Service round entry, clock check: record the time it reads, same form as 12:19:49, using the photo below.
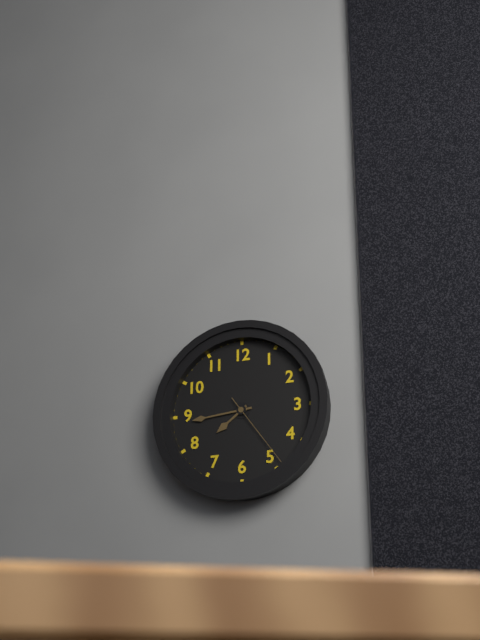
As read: 7:44:24
